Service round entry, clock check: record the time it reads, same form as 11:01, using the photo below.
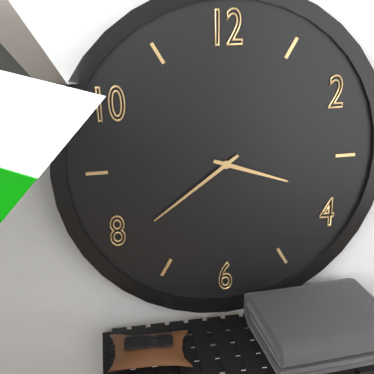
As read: 3:39
